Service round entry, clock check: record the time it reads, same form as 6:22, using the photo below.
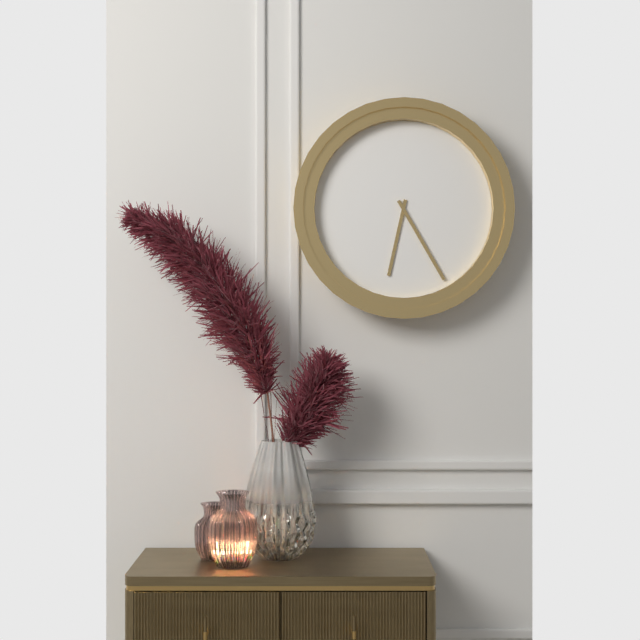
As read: 6:25
